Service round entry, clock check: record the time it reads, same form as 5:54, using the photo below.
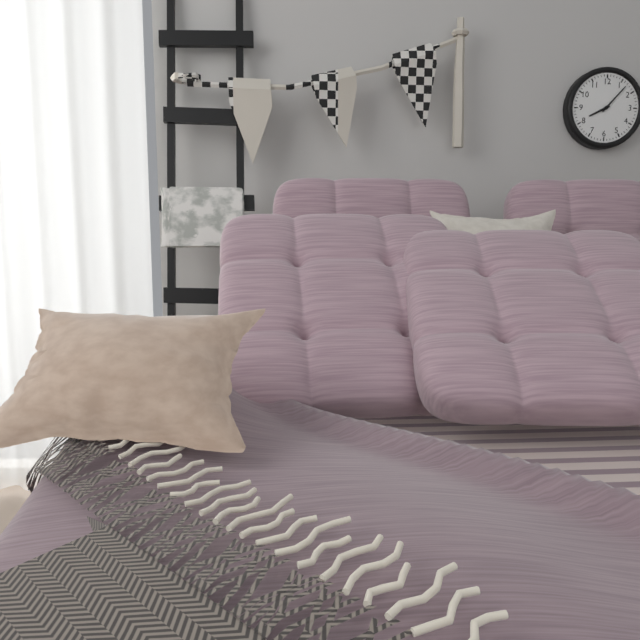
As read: 8:07
